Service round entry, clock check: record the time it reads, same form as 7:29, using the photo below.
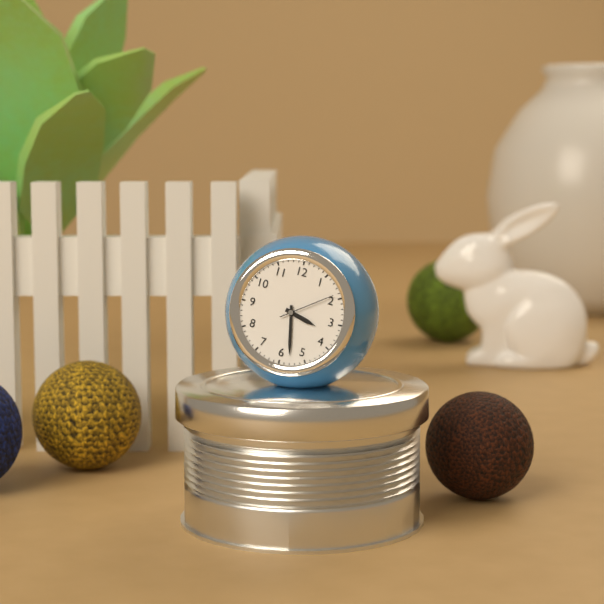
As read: 3:28
